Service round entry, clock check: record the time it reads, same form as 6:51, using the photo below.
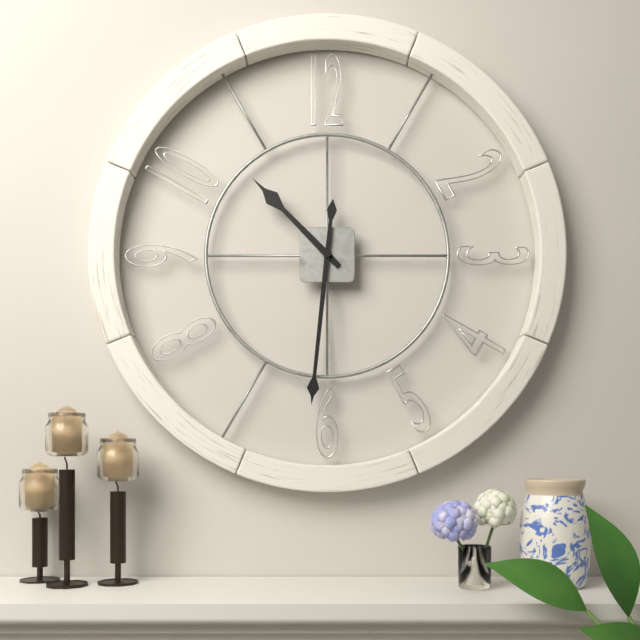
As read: 10:31
